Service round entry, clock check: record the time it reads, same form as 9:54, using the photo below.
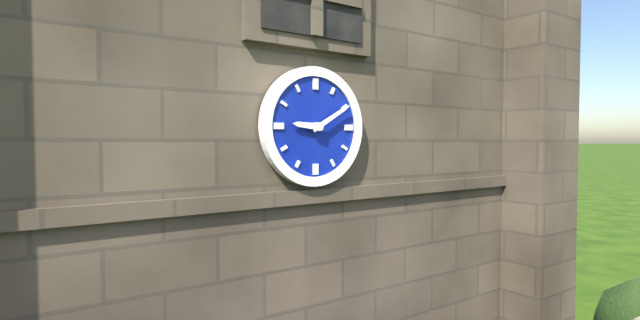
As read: 9:10
